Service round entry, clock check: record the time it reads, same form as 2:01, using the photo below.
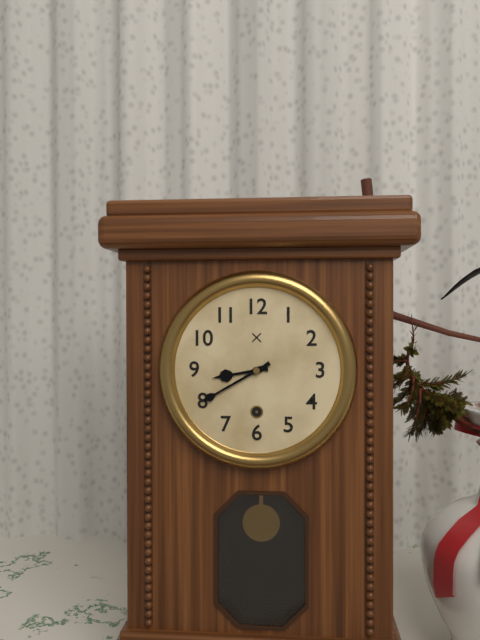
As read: 8:40
